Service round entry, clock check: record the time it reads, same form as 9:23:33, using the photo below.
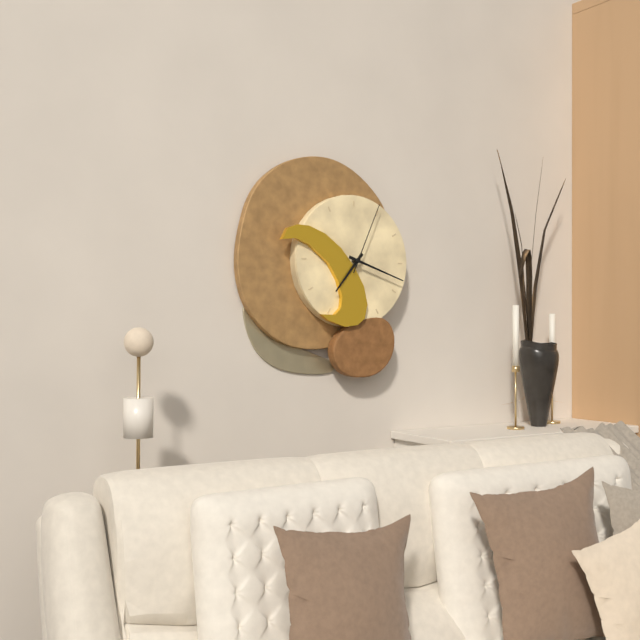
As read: 7:18:04
